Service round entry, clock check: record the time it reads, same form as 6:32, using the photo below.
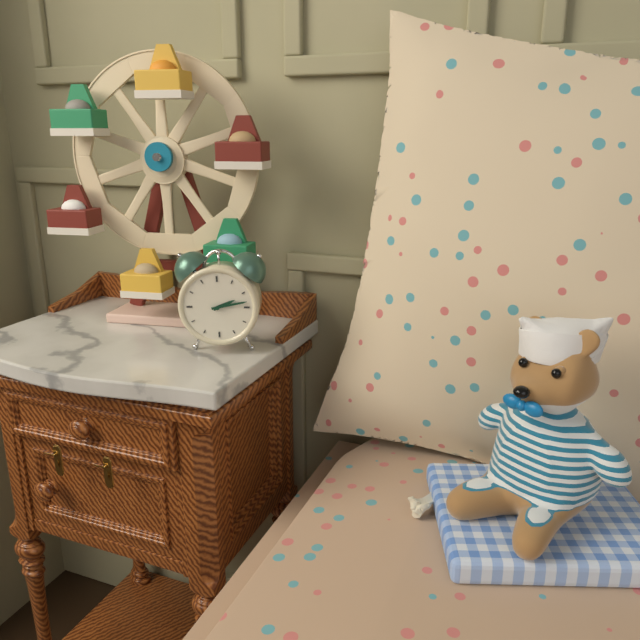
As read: 2:13
